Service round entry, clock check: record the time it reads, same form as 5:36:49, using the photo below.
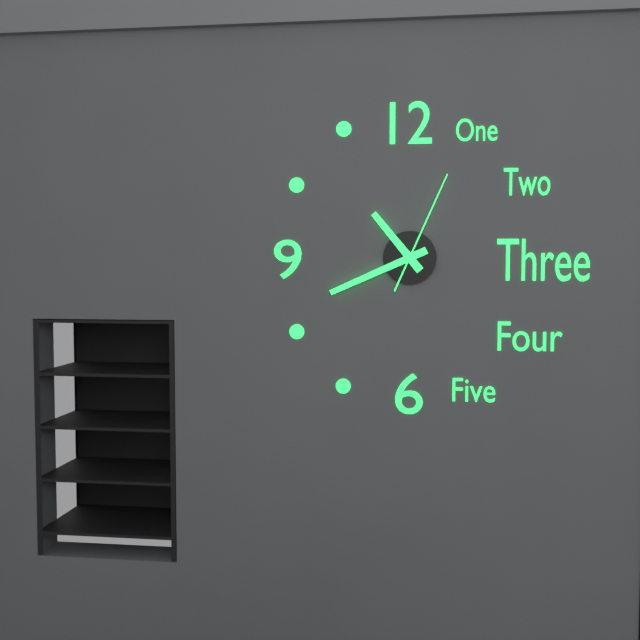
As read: 10:41:04
